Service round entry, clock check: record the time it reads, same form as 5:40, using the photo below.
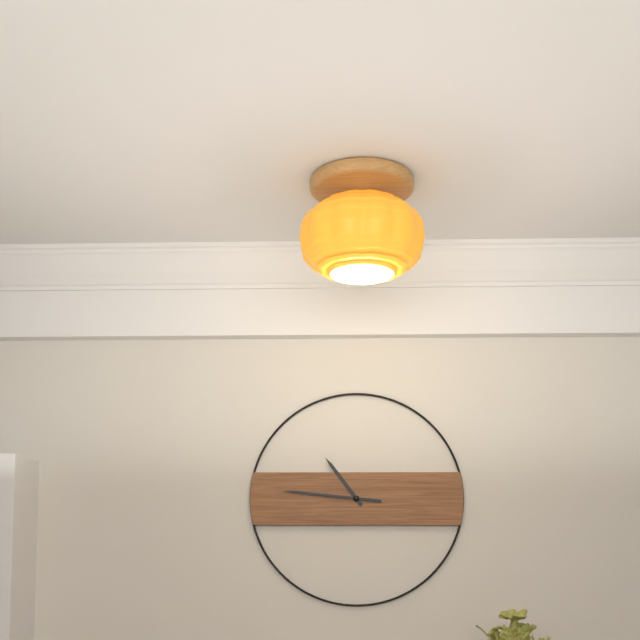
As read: 10:46
